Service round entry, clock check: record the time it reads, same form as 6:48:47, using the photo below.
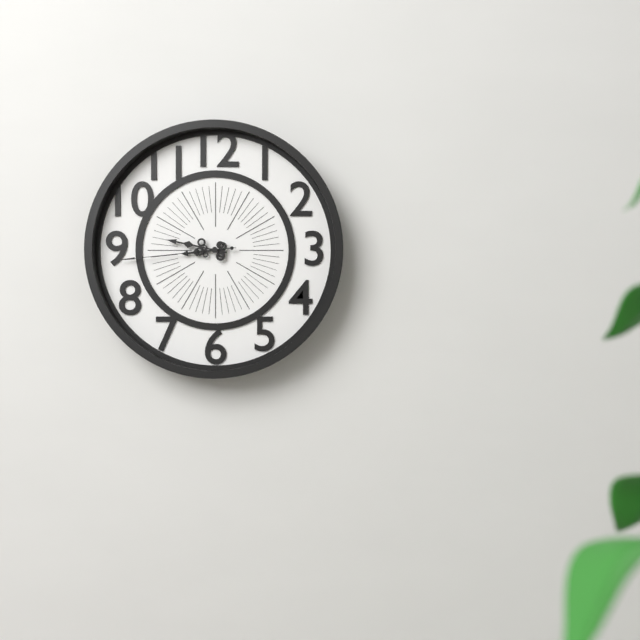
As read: 8:47:44
